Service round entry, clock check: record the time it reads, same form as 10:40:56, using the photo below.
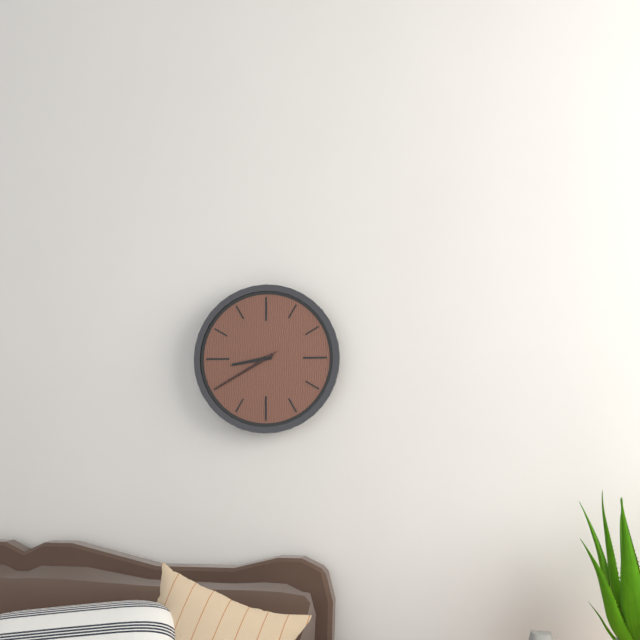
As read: 8:40:40
